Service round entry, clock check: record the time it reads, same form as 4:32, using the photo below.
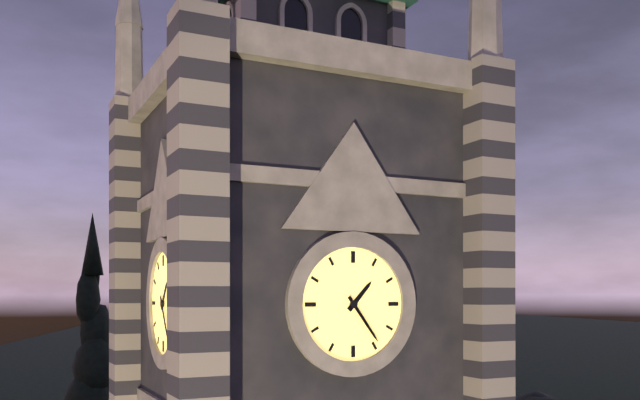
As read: 1:24
